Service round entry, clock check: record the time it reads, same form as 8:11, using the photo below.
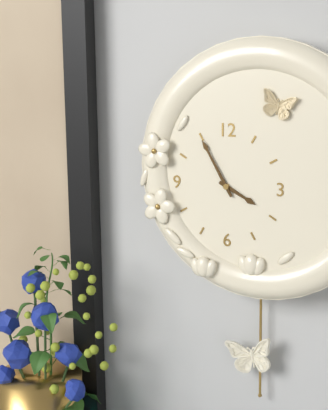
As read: 3:55
